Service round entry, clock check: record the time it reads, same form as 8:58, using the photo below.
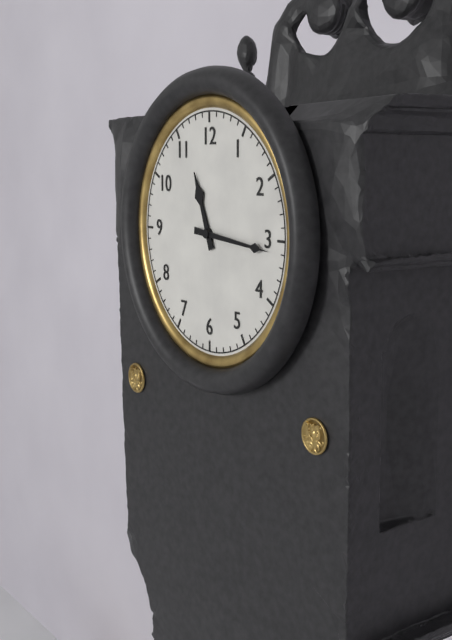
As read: 11:16
